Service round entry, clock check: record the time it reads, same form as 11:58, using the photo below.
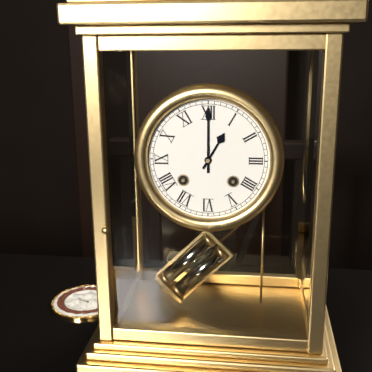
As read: 1:00
